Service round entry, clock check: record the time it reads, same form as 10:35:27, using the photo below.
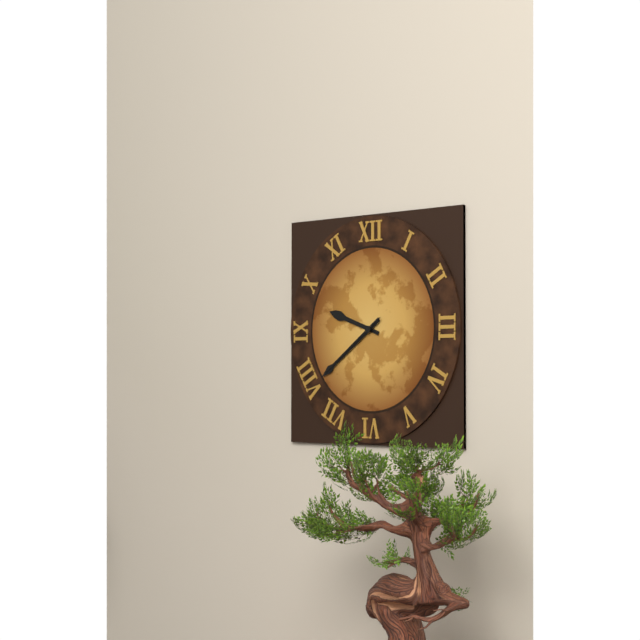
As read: 9:39:39
